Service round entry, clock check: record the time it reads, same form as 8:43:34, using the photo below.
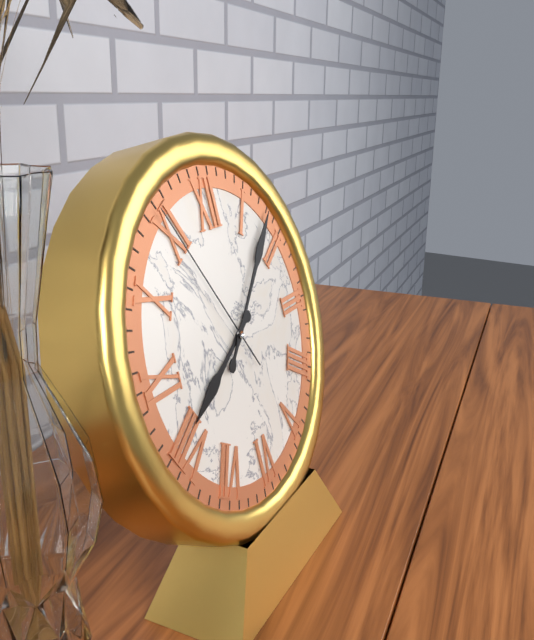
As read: 8:08:55
